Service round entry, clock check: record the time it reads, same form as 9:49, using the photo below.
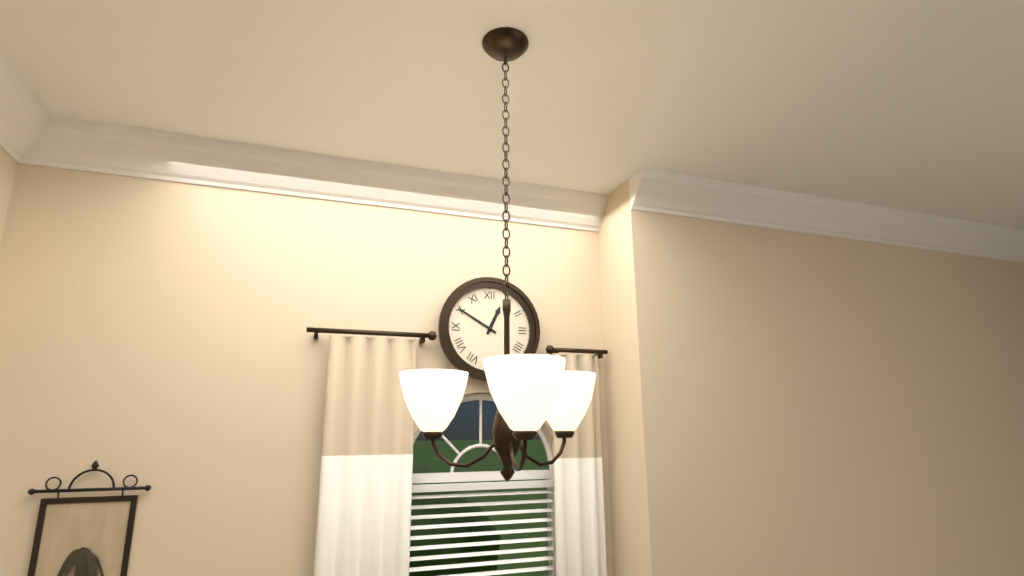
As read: 12:50
